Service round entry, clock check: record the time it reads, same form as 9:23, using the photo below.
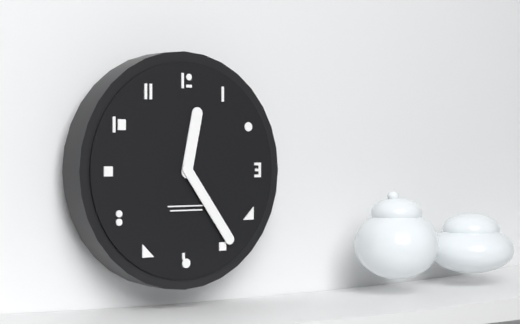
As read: 12:24
